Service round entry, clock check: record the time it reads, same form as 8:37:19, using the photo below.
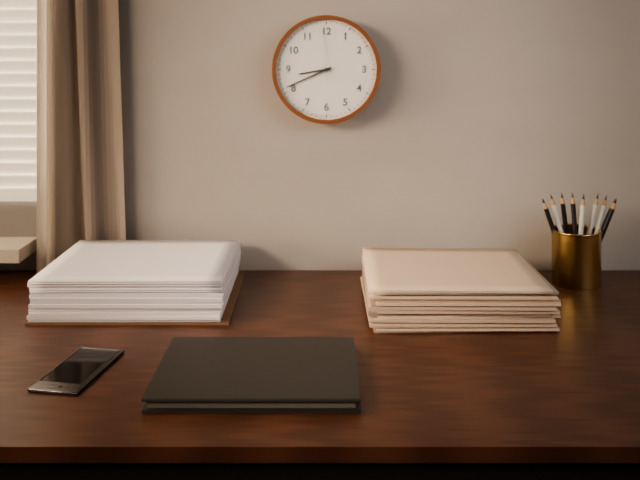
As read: 8:41:59
